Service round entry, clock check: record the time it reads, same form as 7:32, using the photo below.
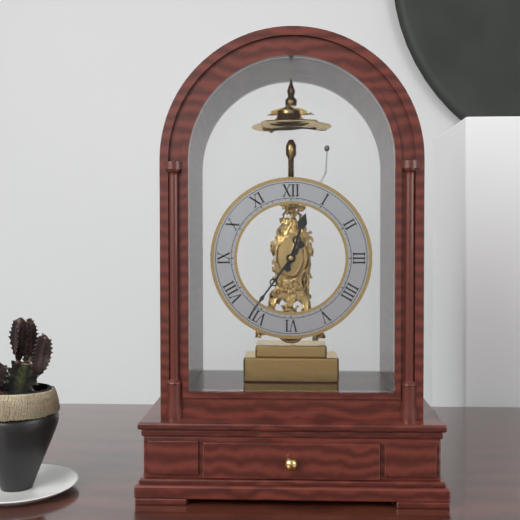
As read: 12:36
